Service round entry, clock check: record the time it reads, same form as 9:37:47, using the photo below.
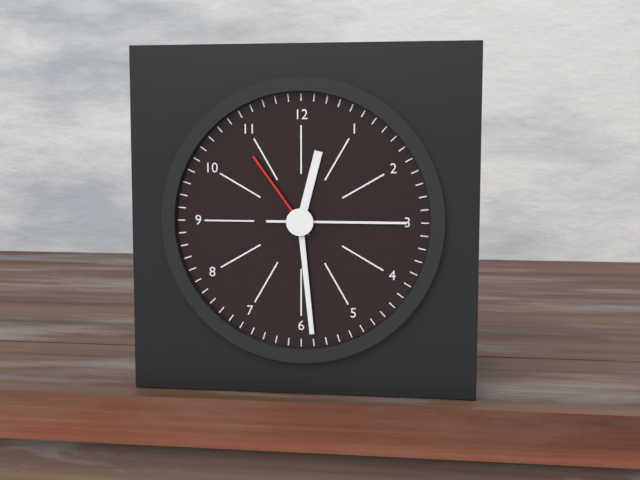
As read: 12:29:54
